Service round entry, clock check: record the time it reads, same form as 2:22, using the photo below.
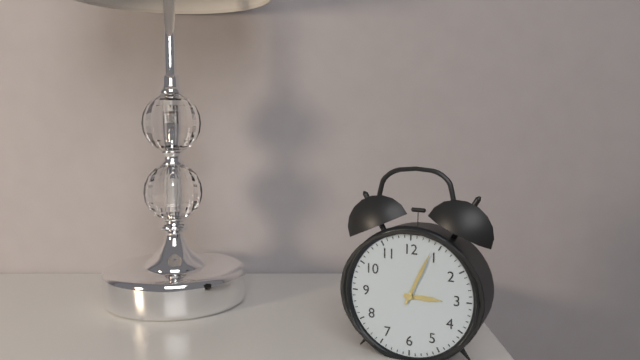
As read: 3:04
